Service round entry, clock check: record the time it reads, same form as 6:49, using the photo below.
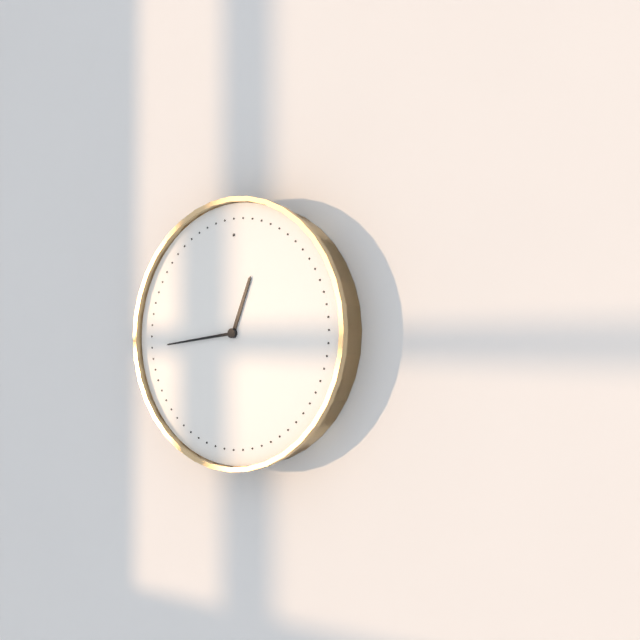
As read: 12:44
